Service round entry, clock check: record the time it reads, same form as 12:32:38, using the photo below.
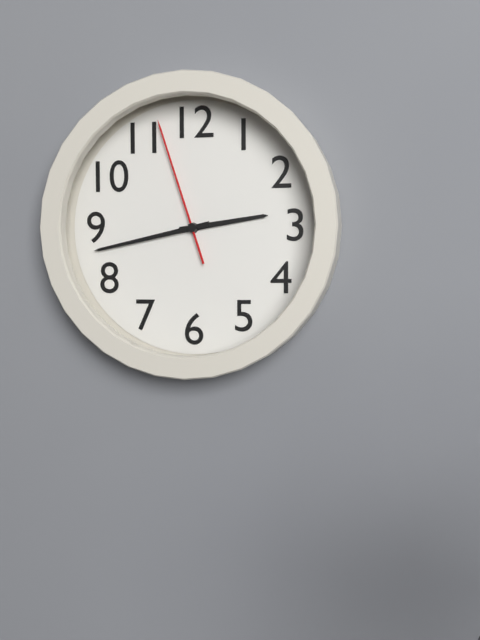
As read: 2:43:57
